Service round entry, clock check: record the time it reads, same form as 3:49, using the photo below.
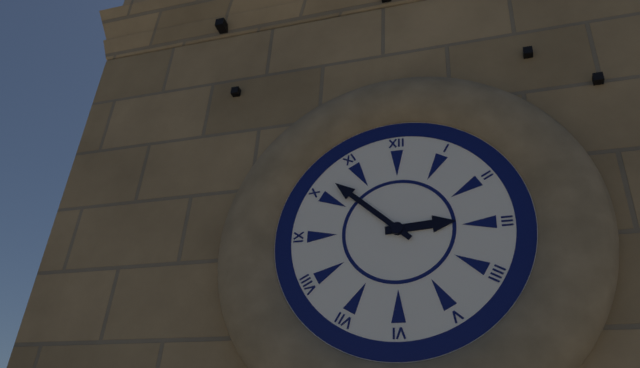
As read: 2:52
